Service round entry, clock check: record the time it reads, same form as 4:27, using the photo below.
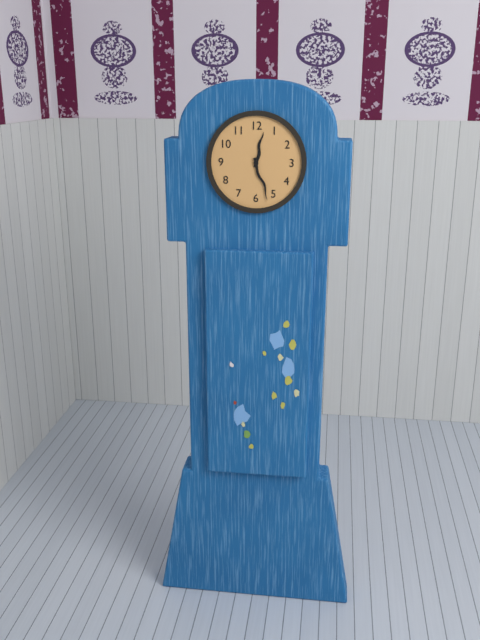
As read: 12:27
